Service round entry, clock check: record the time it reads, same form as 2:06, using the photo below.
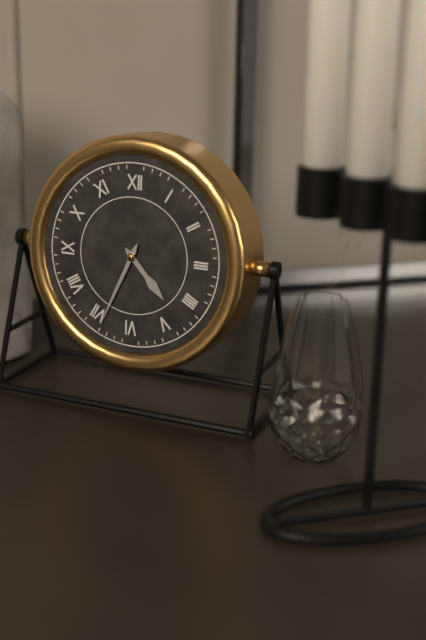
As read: 4:34
